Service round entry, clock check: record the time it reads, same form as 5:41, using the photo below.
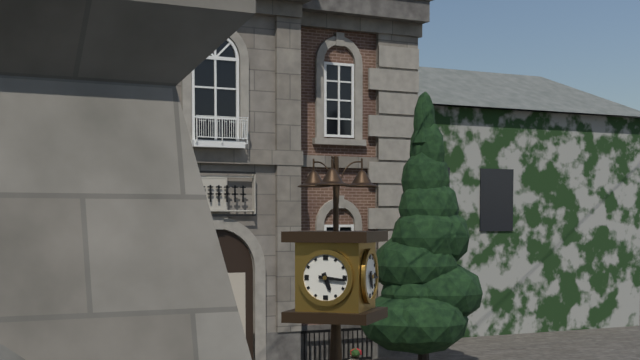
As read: 5:16
